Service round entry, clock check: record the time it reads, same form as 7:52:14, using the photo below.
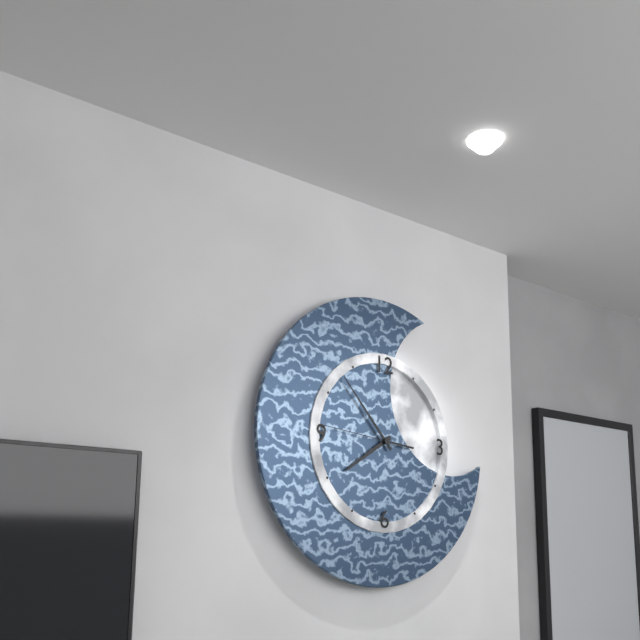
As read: 7:53:46
